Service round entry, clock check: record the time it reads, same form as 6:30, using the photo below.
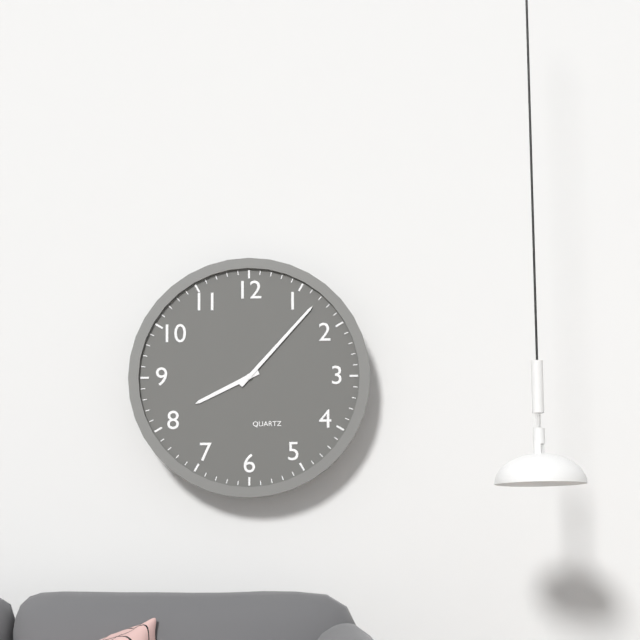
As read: 8:07
